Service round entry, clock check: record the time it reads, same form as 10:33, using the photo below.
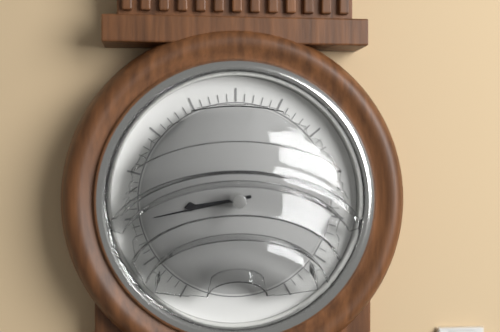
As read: 8:43
